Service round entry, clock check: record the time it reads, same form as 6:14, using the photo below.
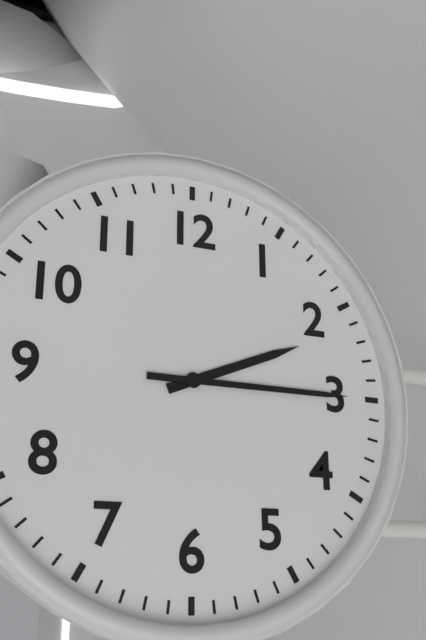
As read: 2:15
